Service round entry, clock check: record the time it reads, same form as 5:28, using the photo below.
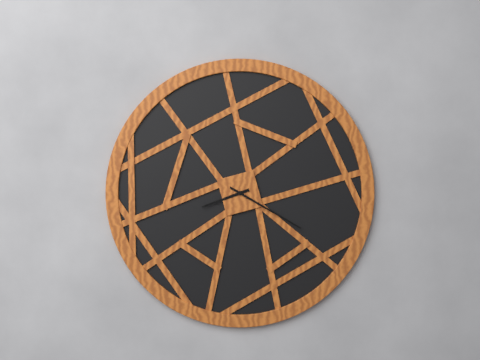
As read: 8:20
